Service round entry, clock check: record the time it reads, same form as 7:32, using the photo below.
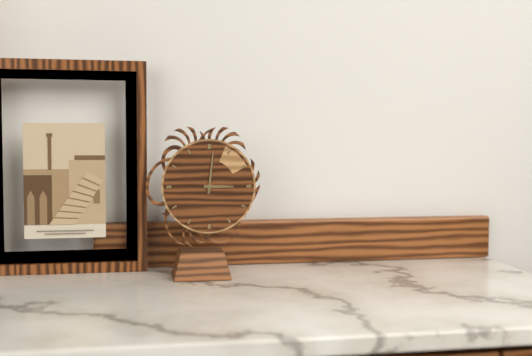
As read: 3:01
